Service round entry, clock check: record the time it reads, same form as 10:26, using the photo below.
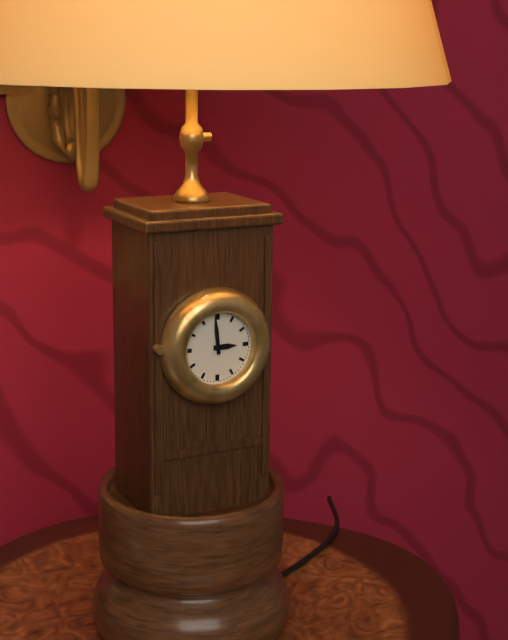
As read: 2:59
